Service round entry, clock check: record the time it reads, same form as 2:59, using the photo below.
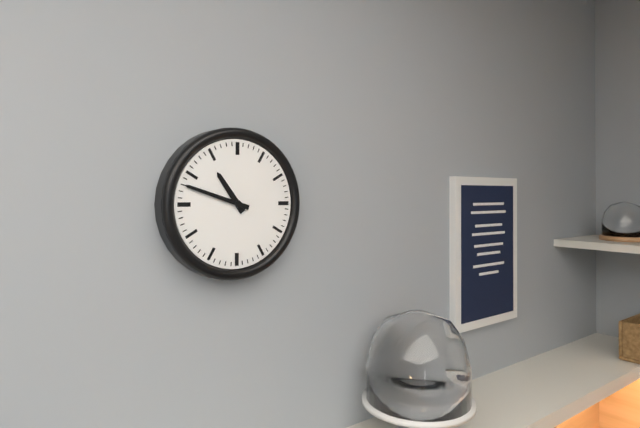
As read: 10:48
